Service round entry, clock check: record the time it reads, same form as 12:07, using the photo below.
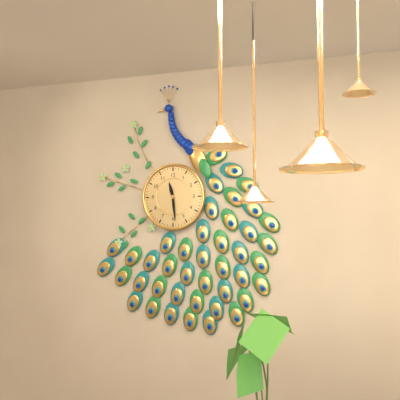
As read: 11:29
